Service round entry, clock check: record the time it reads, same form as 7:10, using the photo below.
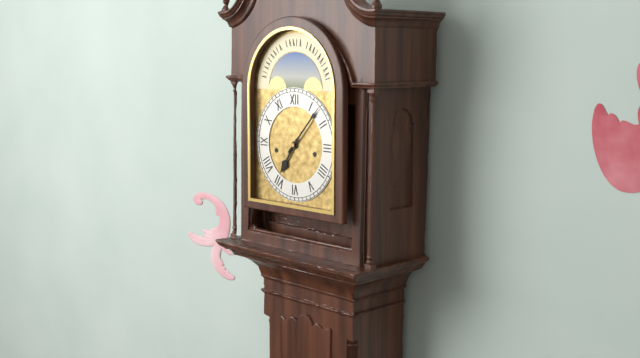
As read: 7:07
